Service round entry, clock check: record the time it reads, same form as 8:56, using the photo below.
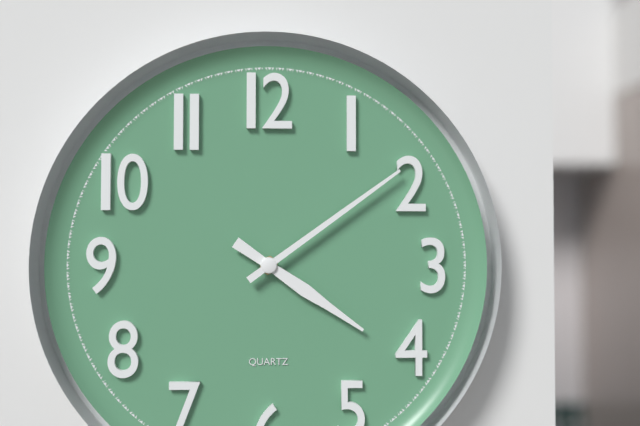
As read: 4:09
